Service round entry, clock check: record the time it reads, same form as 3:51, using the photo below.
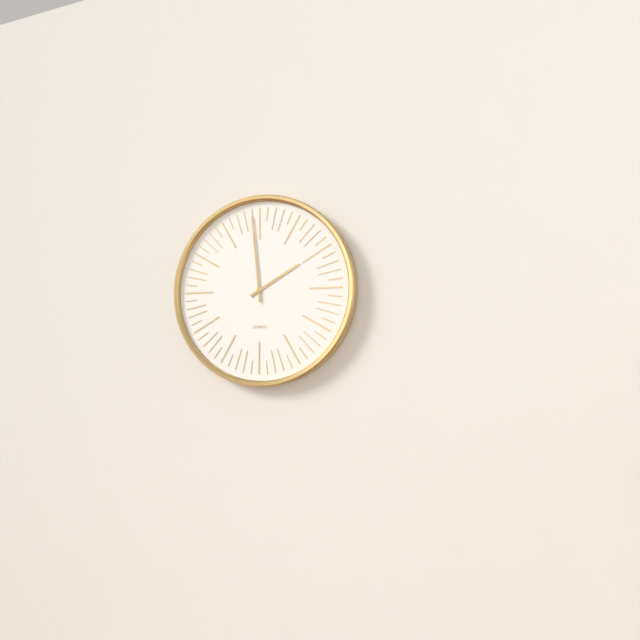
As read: 1:59
